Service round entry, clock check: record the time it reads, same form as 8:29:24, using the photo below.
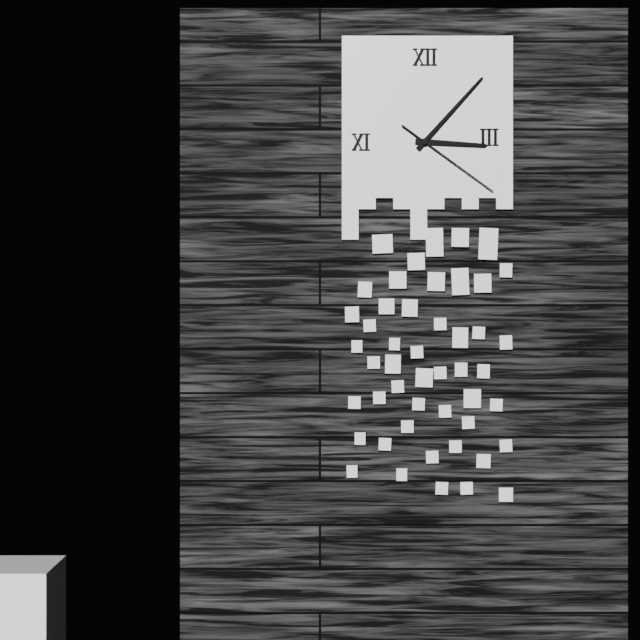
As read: 3:07:21
